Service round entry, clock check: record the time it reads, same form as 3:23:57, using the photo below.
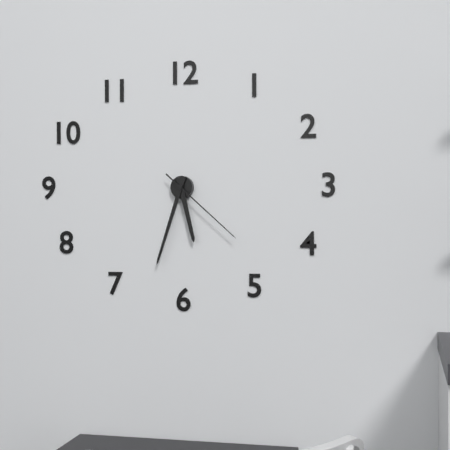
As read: 5:33:22
